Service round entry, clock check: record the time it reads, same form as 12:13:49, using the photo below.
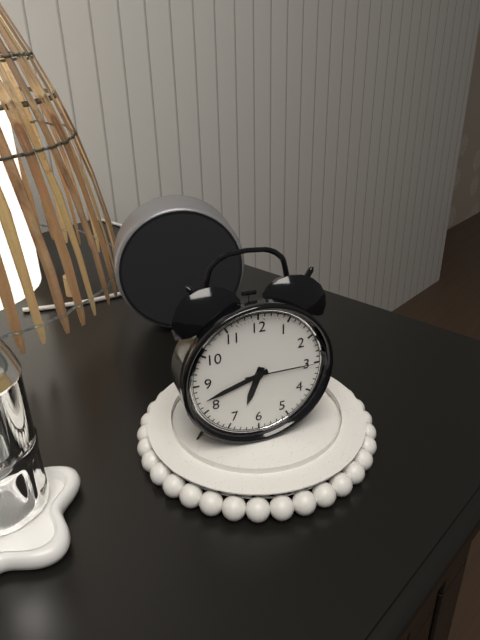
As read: 6:42:15
